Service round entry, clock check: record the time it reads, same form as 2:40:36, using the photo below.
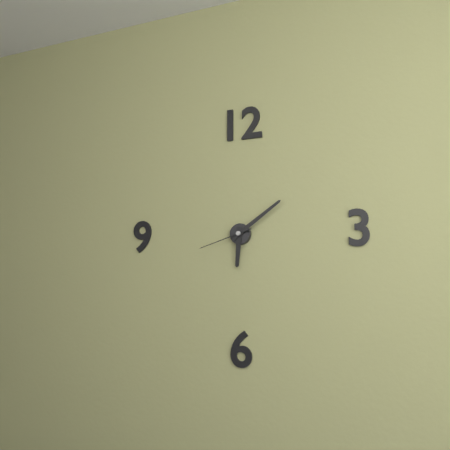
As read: 6:09:42
